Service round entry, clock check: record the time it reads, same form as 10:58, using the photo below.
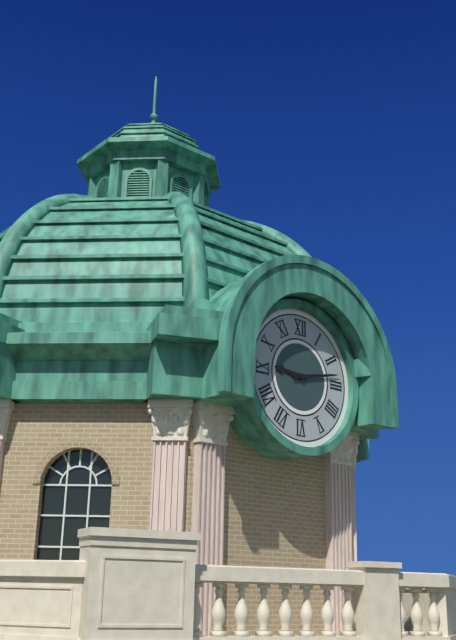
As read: 9:13
